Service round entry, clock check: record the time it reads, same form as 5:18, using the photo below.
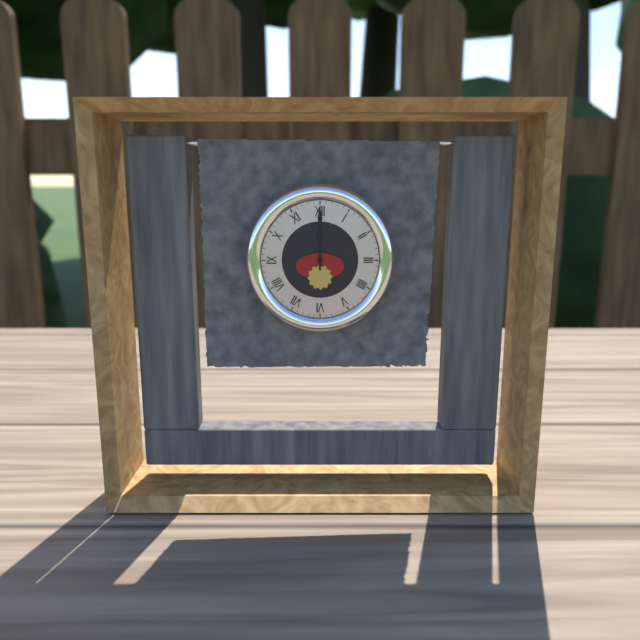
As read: 12:00
